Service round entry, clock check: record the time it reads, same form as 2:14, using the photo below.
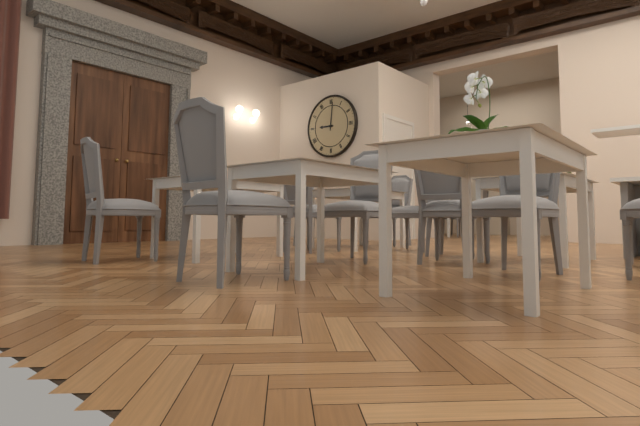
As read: 9:01
